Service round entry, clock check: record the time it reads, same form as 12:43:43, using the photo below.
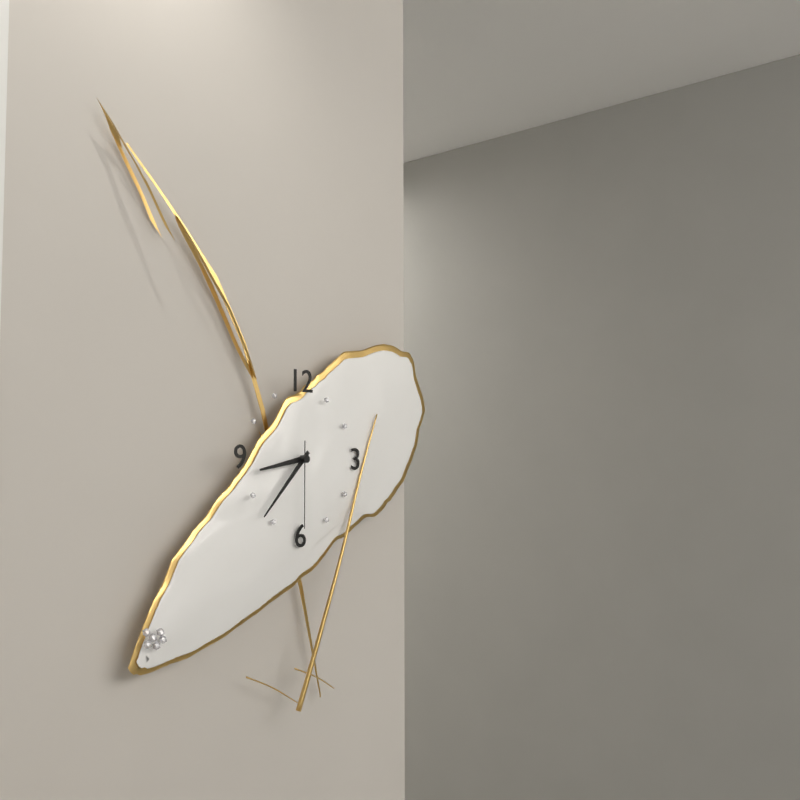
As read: 8:37:30
